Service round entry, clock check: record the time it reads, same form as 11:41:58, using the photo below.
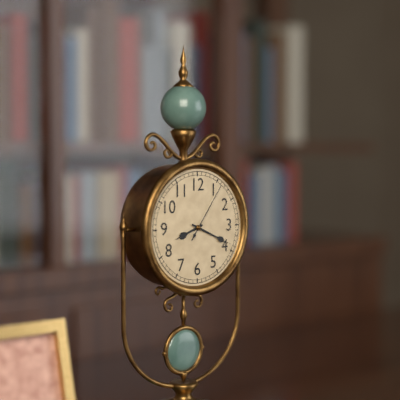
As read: 8:19:06
